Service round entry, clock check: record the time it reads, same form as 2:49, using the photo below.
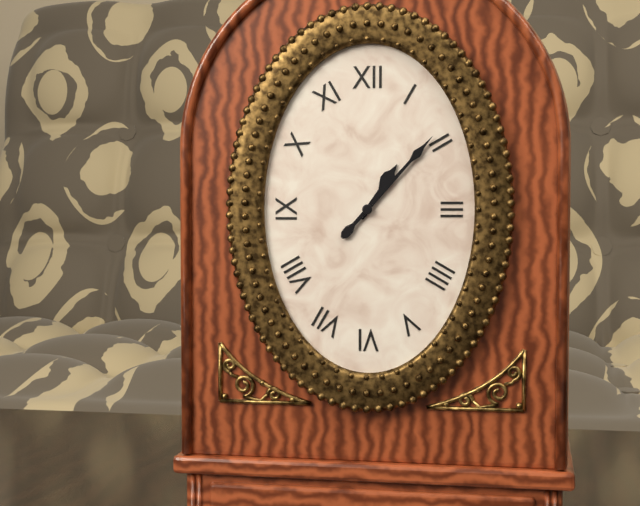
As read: 1:07
